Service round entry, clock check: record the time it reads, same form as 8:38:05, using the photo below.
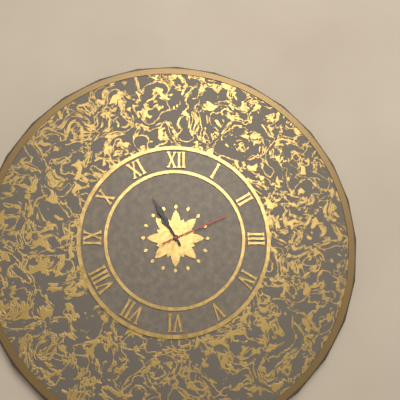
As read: 10:55:11
